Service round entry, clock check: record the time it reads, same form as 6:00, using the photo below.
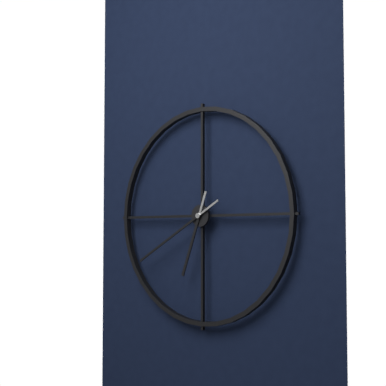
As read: 6:40
